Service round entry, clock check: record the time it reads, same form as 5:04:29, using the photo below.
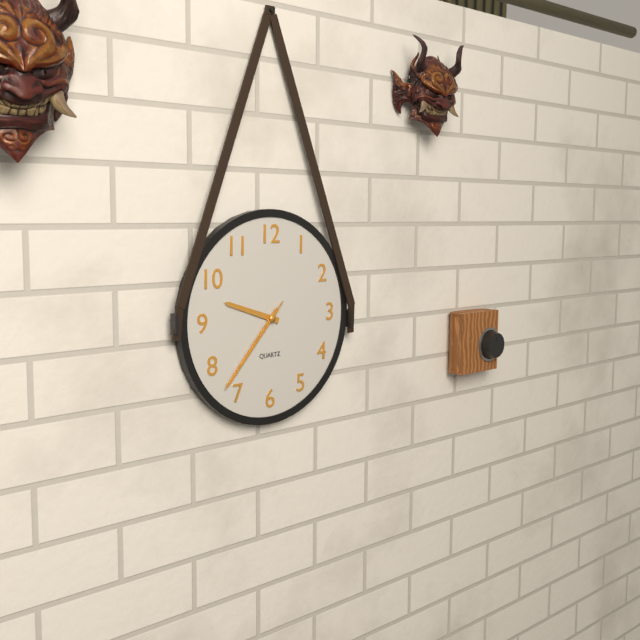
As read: 9:37:37
